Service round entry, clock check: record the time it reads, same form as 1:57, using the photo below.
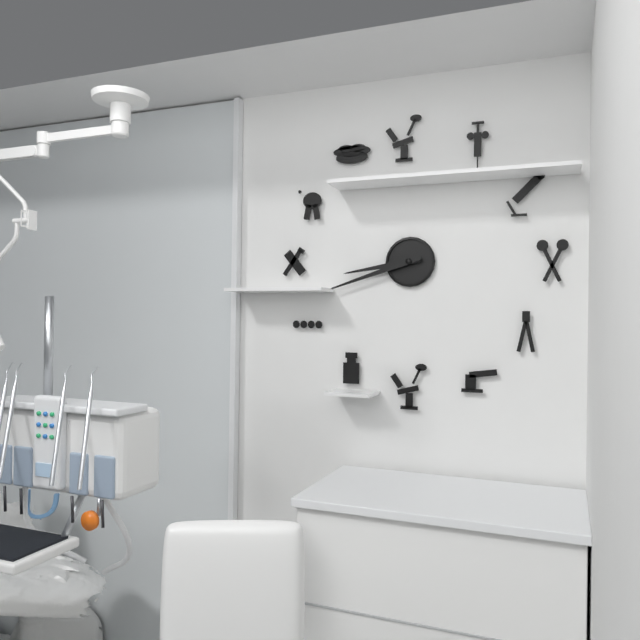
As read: 8:42
